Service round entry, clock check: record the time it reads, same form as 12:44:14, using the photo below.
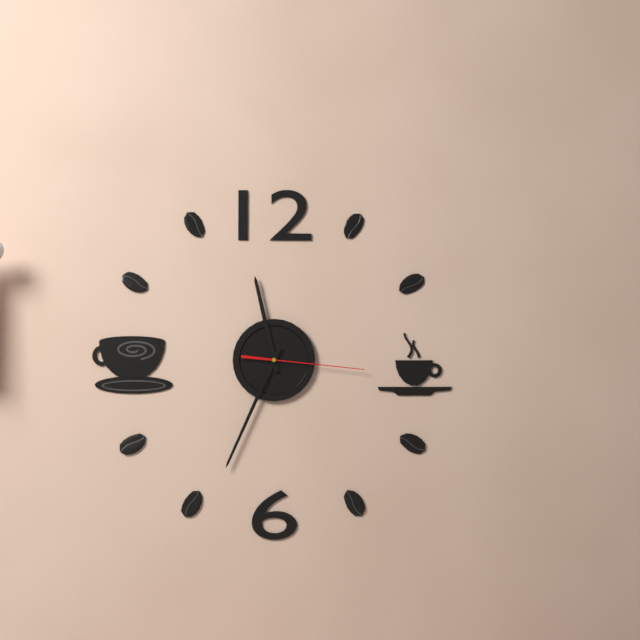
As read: 11:34:16
